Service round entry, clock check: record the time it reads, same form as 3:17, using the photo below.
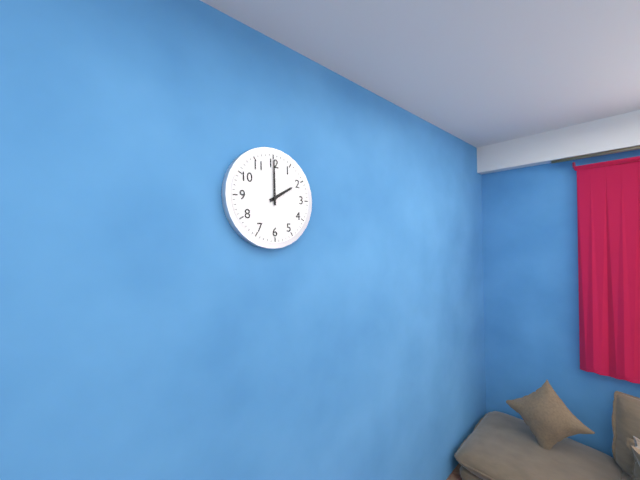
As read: 2:00
